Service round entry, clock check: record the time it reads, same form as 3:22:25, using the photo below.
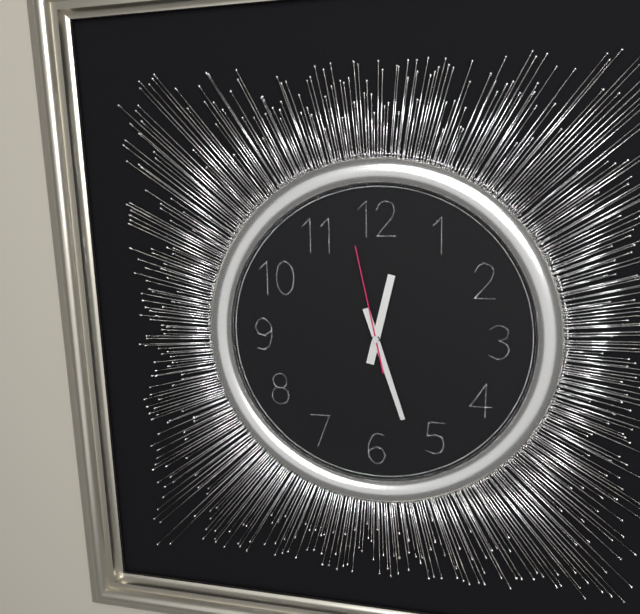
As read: 12:27:58
